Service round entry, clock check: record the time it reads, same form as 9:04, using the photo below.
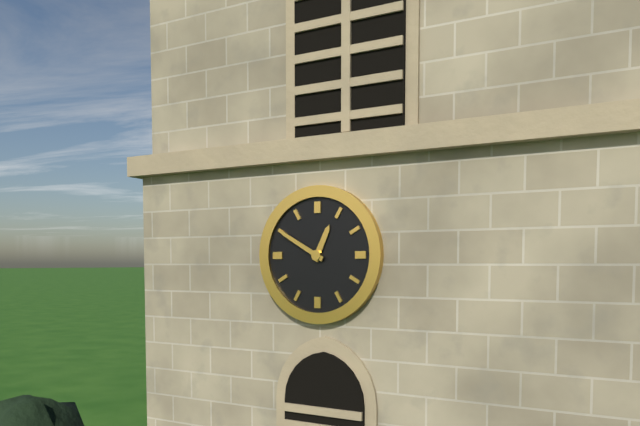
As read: 12:50
